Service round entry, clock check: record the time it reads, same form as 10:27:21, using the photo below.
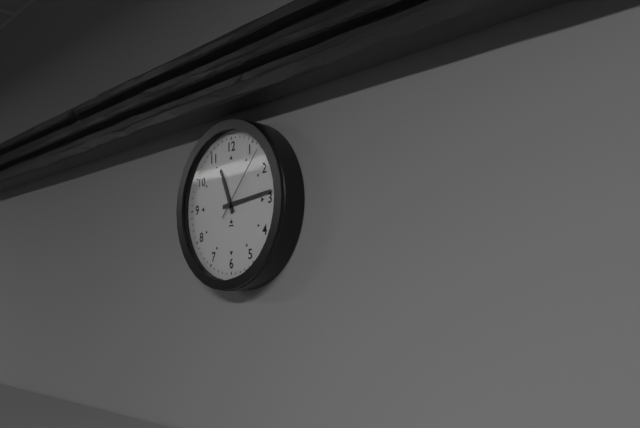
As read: 11:14:07
